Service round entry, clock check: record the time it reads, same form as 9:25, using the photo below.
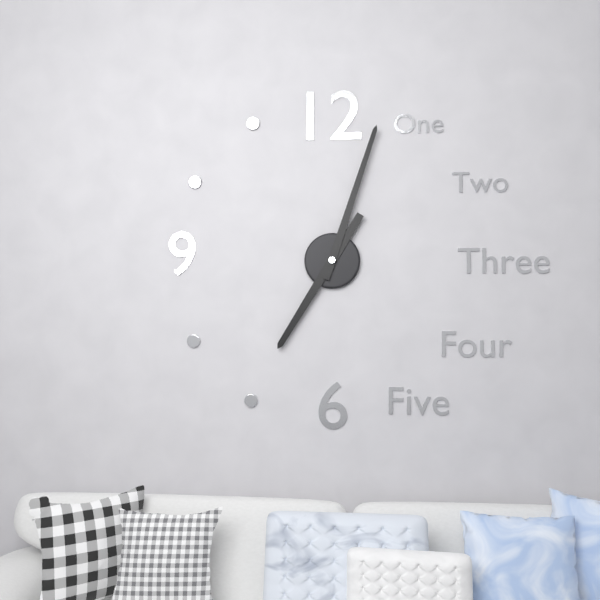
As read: 7:03
